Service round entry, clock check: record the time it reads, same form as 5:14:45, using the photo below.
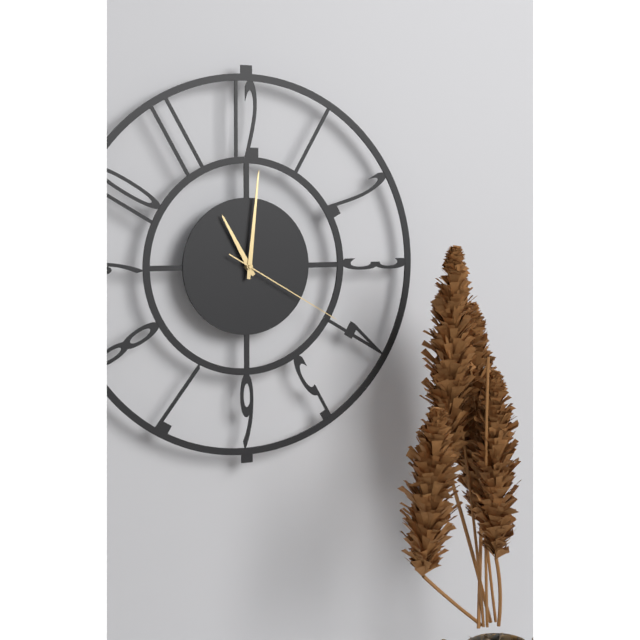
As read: 11:01:20
